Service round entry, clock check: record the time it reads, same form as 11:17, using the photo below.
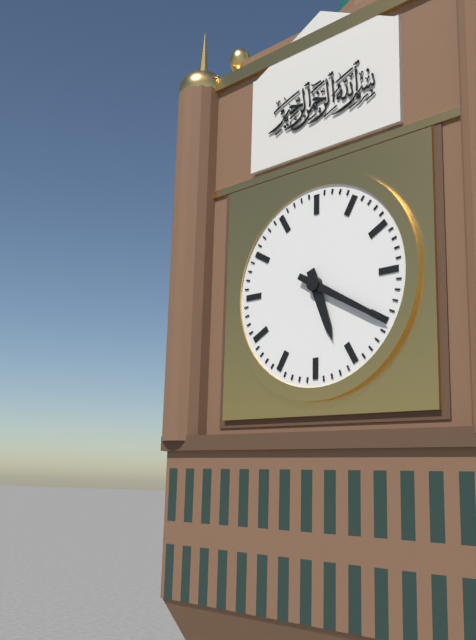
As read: 5:20
